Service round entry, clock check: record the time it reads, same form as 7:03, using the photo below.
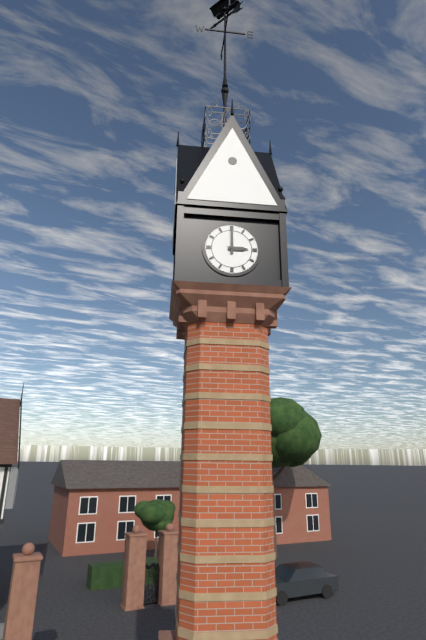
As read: 3:00
